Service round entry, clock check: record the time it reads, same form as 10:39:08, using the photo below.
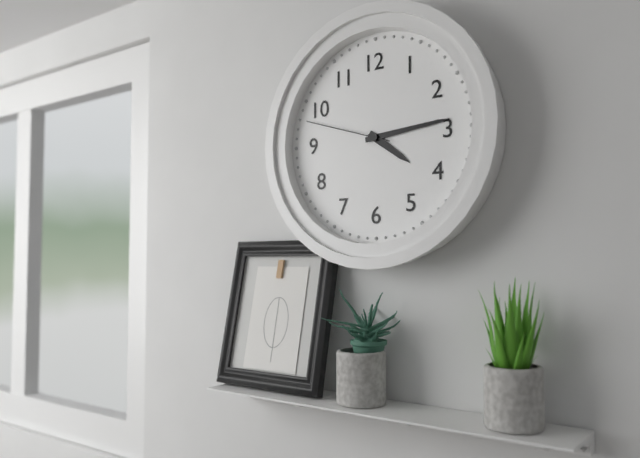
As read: 4:14:48
